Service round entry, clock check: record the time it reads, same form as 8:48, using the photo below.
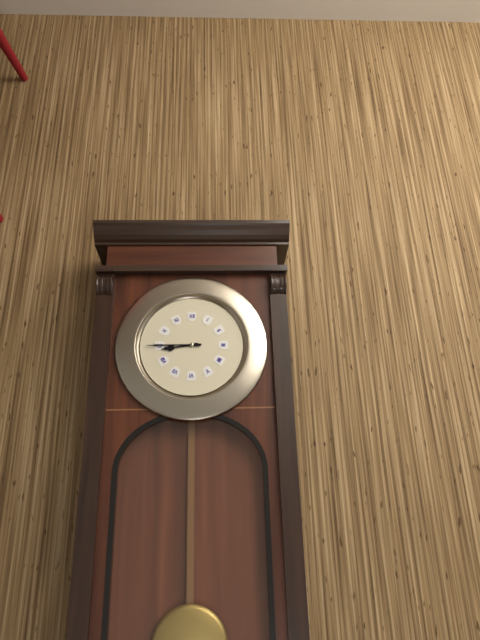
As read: 8:45
